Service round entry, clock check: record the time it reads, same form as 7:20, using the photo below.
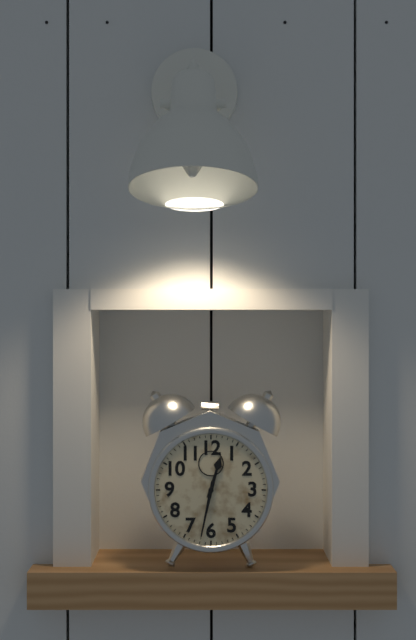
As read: 12:32
